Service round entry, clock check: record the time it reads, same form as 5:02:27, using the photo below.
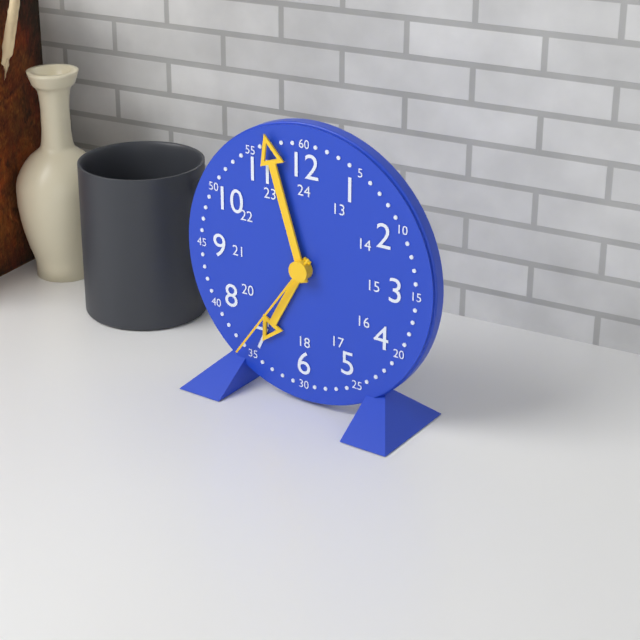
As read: 6:57:36
